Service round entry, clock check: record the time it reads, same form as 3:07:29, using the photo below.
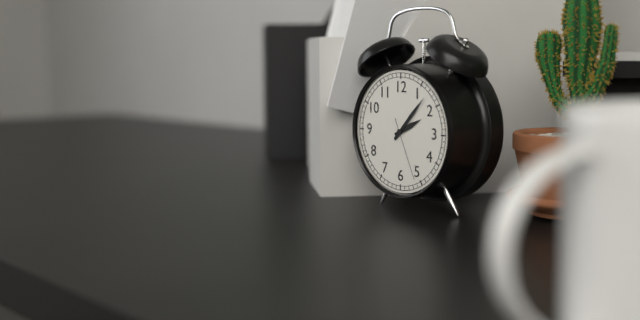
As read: 2:07:26
